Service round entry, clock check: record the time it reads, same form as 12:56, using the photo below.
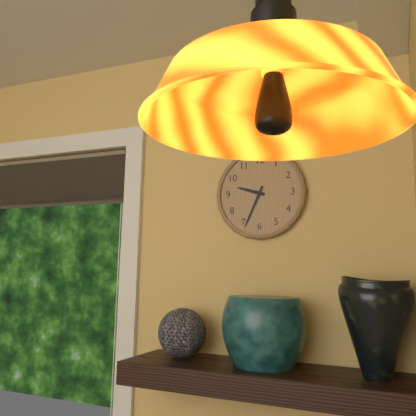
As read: 9:34
